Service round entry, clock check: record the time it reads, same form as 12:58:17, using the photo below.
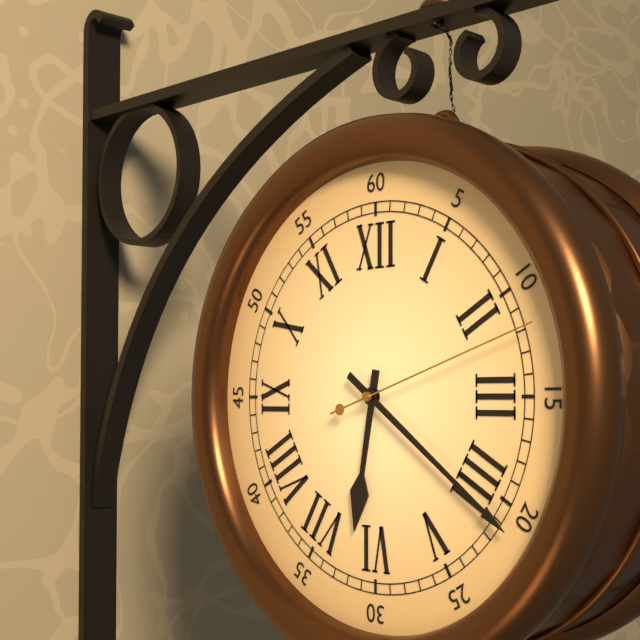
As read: 6:21:12
